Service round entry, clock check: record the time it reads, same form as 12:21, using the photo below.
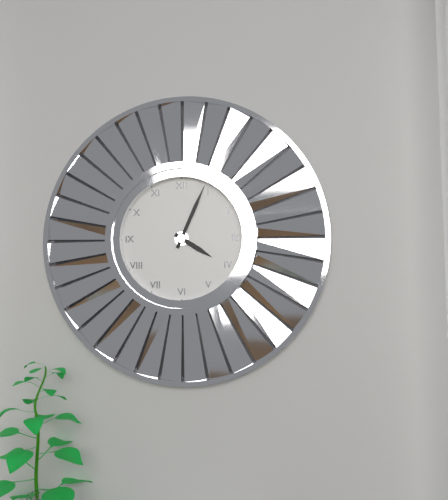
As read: 4:04
